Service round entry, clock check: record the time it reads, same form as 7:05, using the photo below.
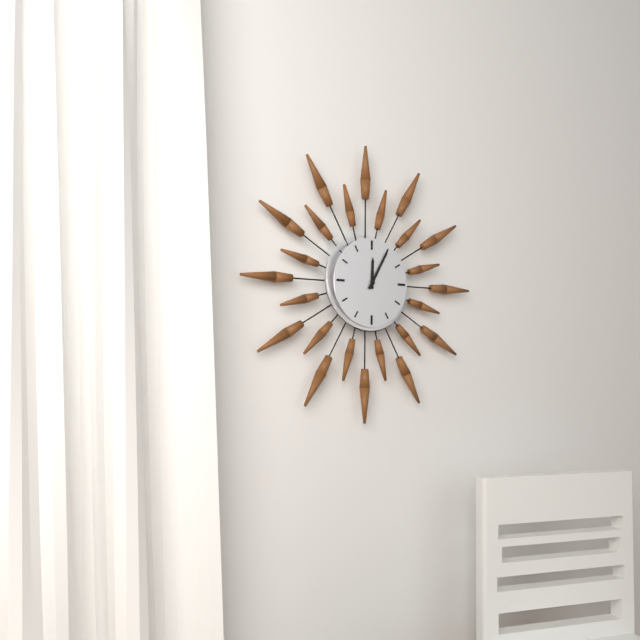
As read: 12:05
